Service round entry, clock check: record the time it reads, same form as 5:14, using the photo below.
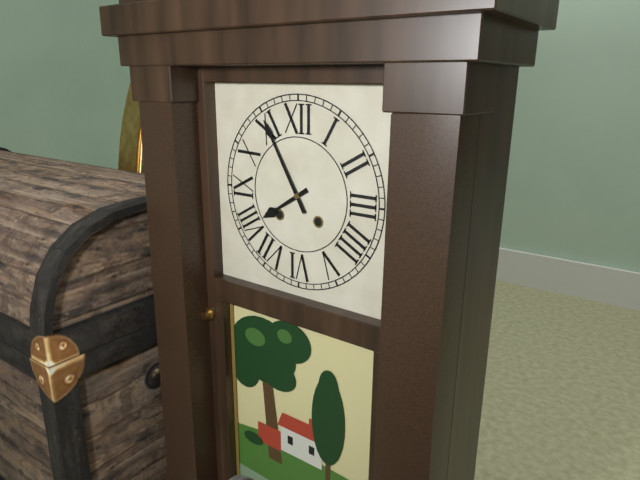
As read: 7:55
